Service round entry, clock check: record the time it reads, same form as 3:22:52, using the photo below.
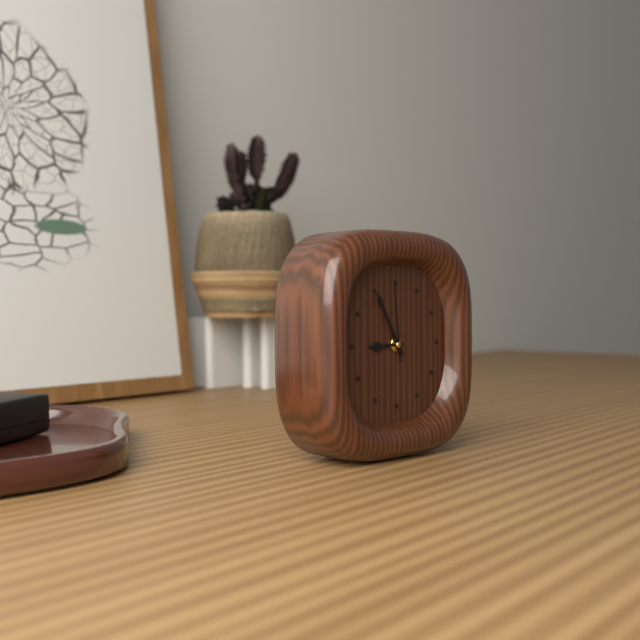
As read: 8:55:59
